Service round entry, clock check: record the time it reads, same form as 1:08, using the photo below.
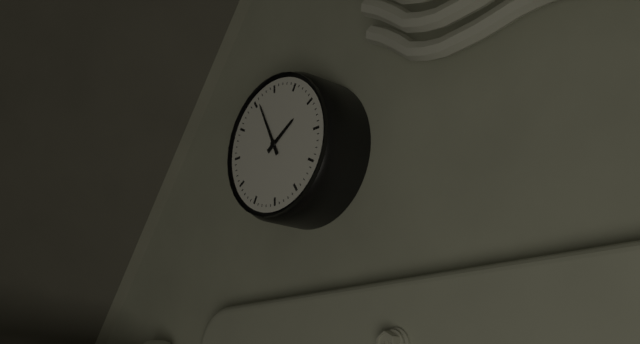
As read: 1:56
